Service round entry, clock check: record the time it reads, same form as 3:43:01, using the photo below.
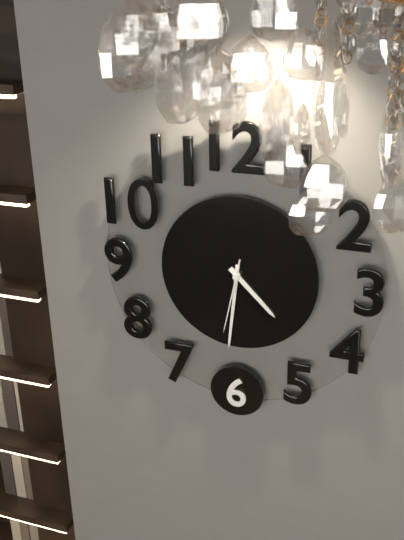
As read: 4:31:32
